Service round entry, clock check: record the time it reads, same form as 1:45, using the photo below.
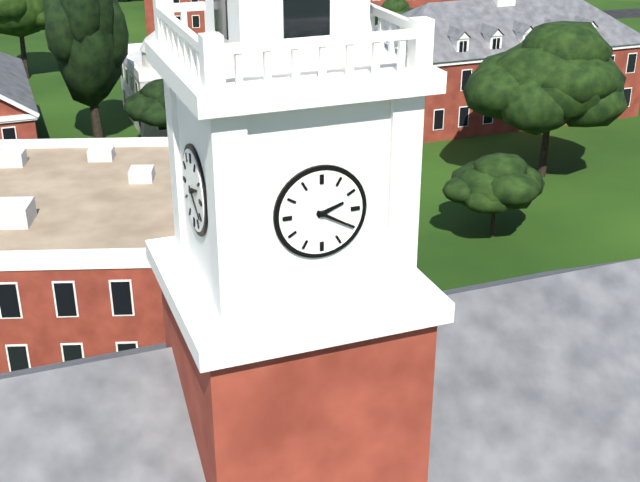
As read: 2:20
